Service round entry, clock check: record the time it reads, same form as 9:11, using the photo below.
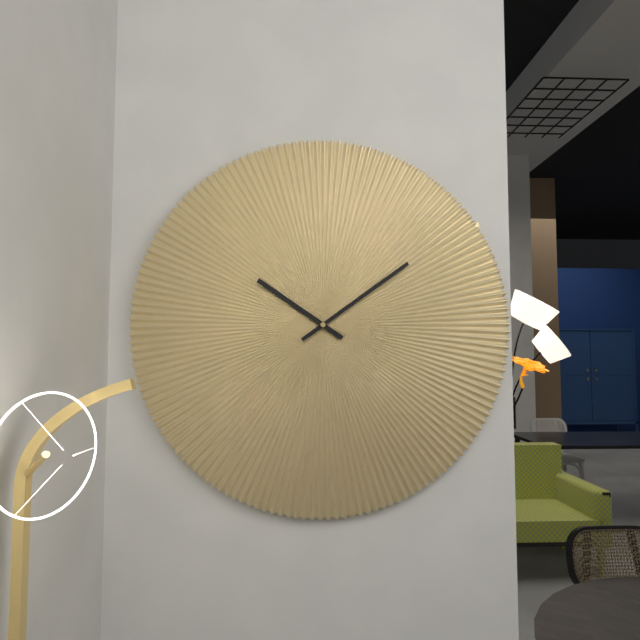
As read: 10:09
